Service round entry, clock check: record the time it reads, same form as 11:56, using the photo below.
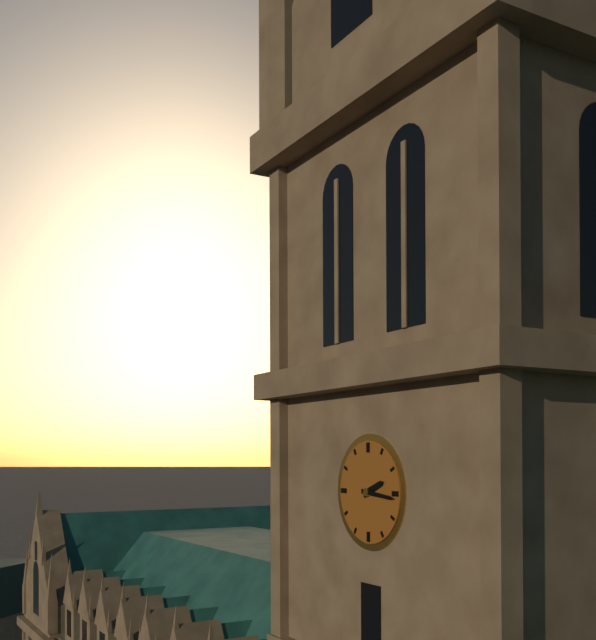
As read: 2:16
